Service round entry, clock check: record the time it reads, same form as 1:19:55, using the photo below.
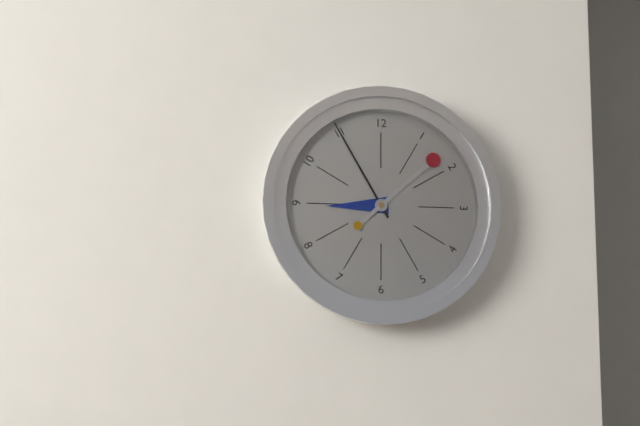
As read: 8:55:08
